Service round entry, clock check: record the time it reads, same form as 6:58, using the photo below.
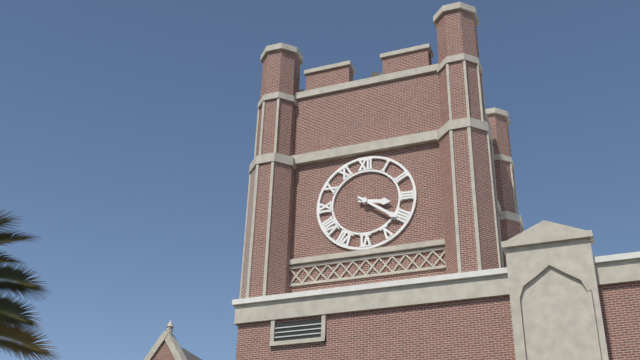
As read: 3:21
